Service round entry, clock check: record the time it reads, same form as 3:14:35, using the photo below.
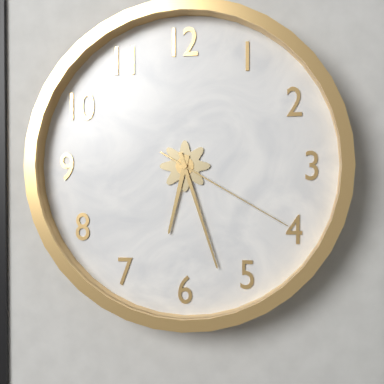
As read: 6:27:20
